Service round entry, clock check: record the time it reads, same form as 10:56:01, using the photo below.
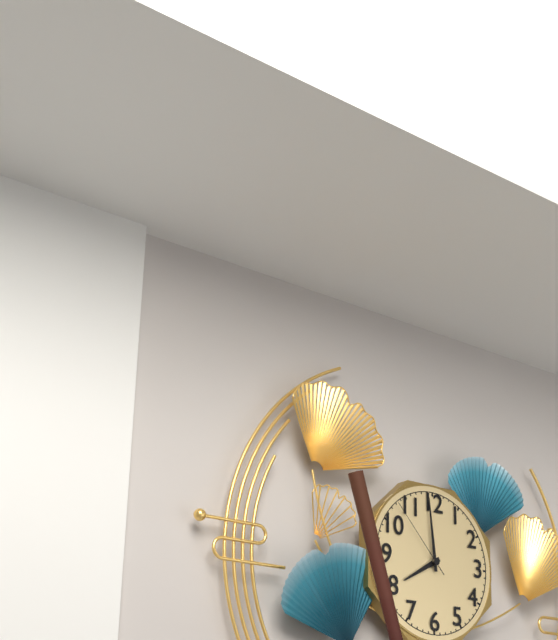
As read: 7:59:53
